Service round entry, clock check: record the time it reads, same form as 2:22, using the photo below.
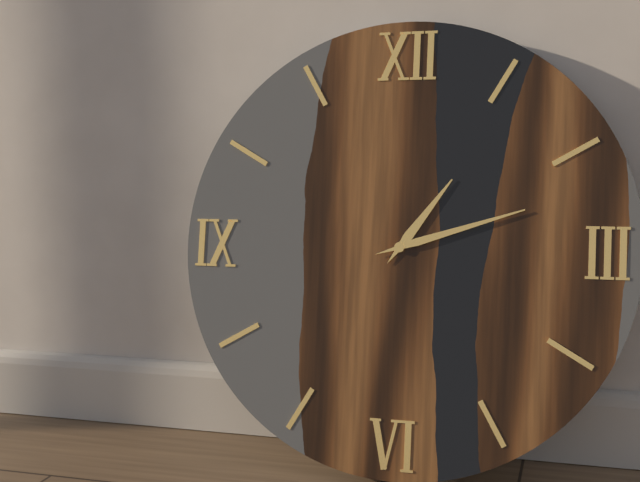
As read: 1:12
